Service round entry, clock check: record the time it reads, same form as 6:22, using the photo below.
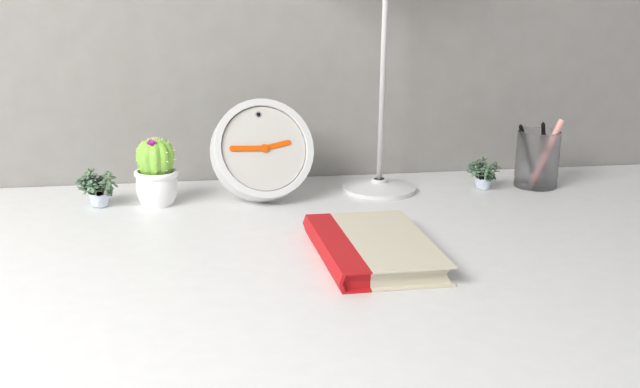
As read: 2:46
